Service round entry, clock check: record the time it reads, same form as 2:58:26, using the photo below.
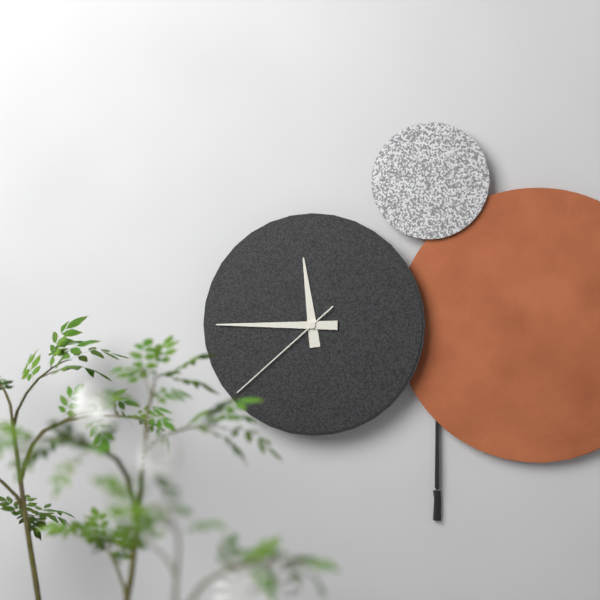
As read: 11:45:38
